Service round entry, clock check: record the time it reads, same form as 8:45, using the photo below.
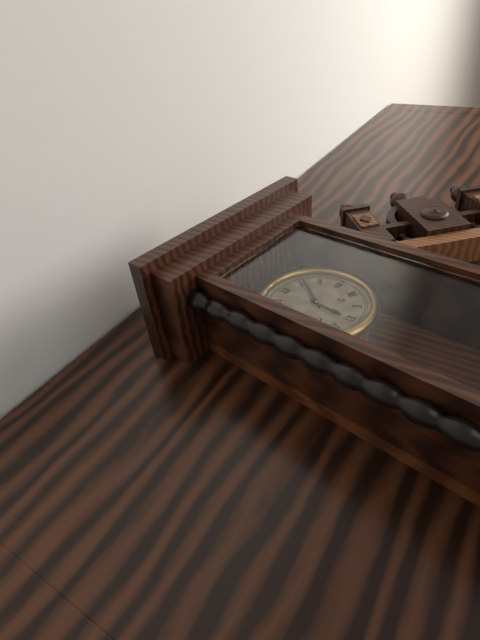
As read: 6:06
